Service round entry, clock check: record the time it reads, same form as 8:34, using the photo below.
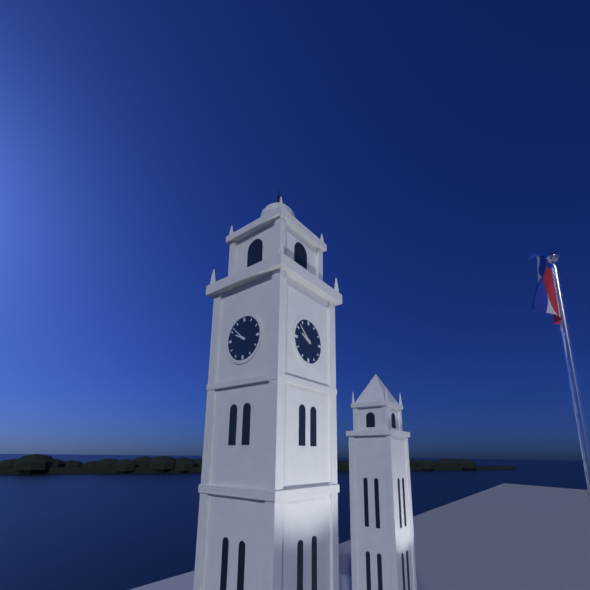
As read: 9:52
